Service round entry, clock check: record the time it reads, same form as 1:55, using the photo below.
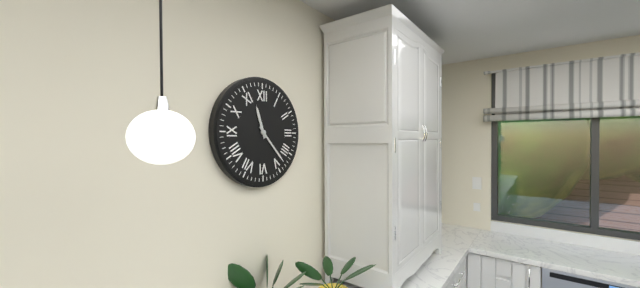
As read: 11:23
